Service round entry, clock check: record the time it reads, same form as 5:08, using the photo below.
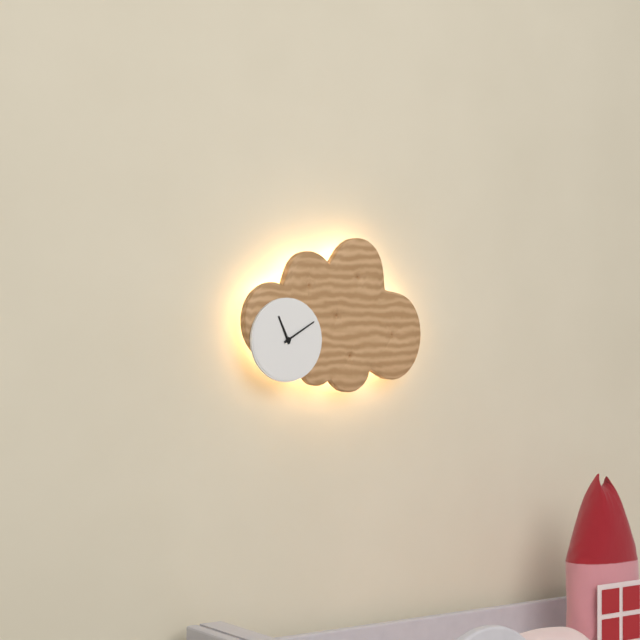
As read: 11:10
